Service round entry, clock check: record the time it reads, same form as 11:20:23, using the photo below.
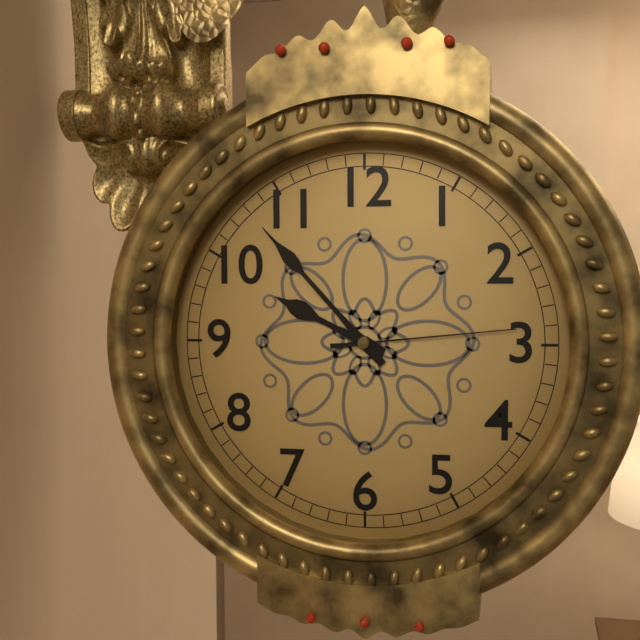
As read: 9:53:14
